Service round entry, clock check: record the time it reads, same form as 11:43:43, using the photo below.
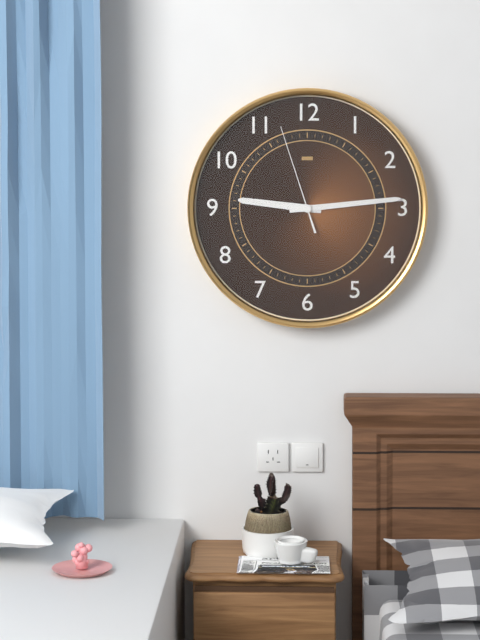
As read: 9:14:57
